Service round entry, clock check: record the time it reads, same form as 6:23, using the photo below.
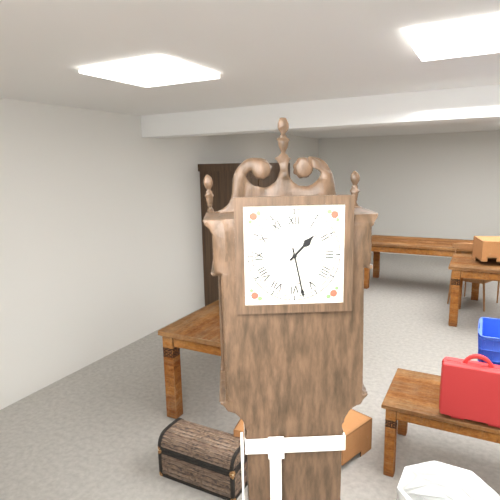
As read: 1:28
